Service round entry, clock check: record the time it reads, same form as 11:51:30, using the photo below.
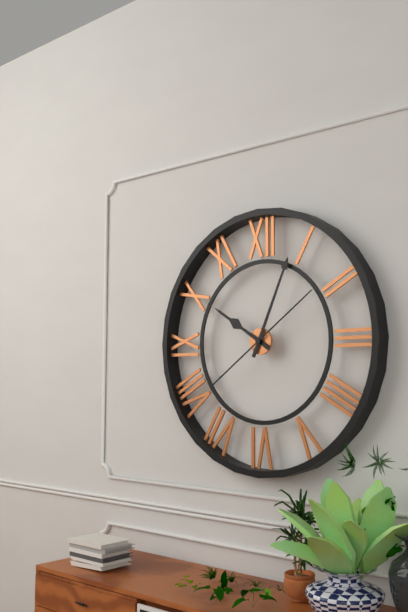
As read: 10:04:09
